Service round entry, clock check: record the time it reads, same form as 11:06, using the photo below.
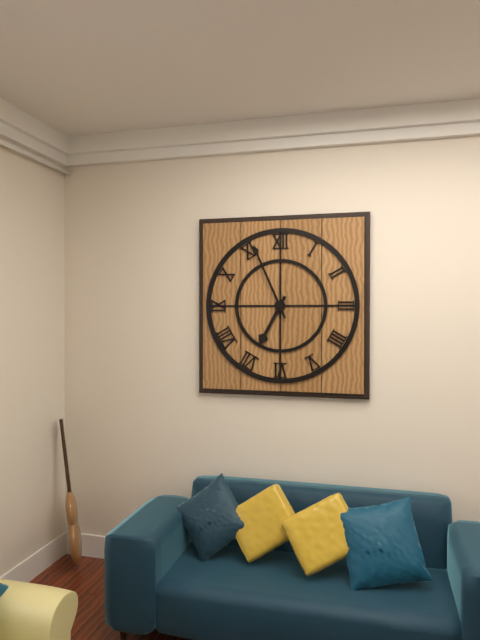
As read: 6:56
